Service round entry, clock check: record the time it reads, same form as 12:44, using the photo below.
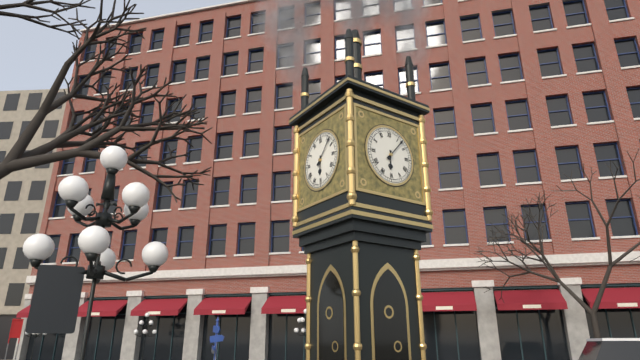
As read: 6:07
